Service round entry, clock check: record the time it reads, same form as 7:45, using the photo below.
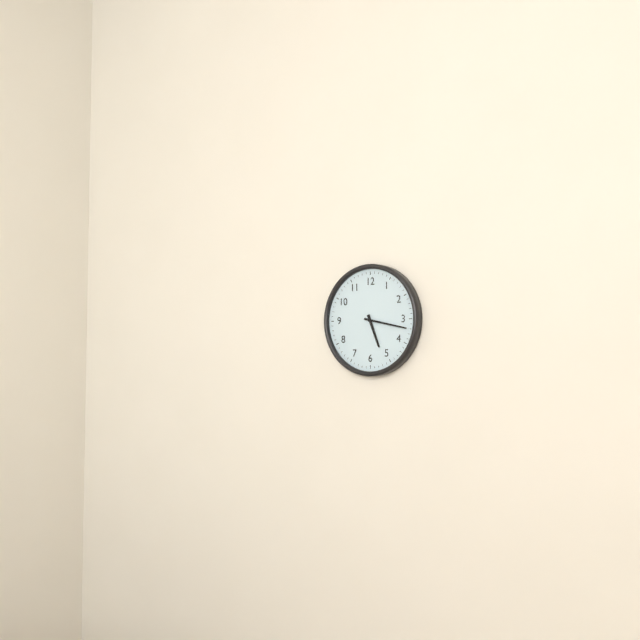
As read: 5:17
